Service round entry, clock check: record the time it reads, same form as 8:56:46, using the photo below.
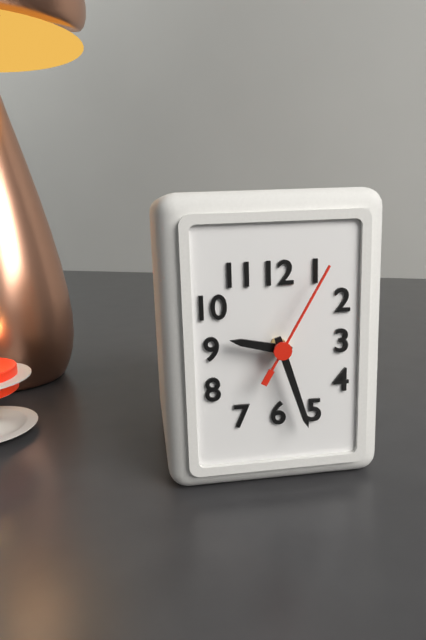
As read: 9:27:05
